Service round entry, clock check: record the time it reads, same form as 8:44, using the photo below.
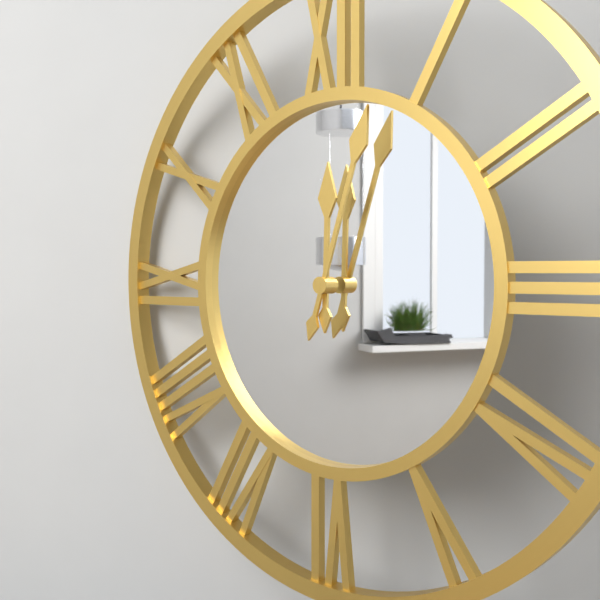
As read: 12:03
